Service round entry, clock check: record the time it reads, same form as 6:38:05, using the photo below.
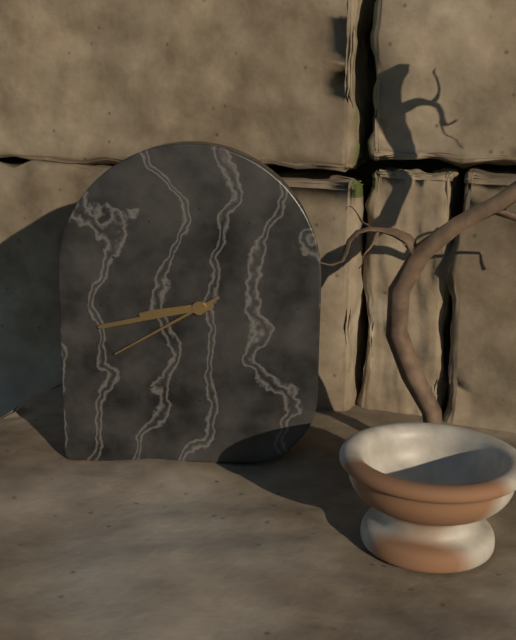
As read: 8:43:40
